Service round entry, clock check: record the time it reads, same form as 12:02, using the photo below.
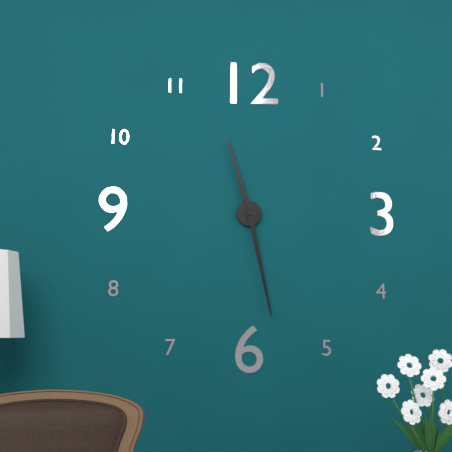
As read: 11:28
